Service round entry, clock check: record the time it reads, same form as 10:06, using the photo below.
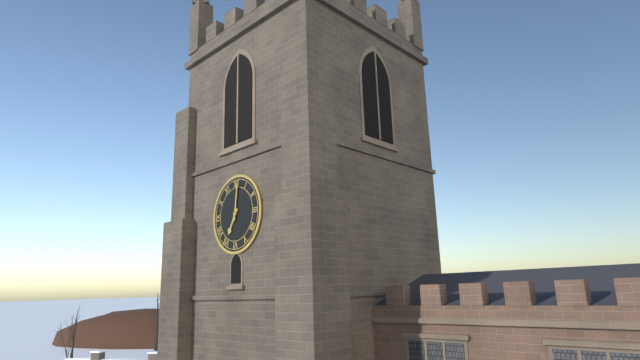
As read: 7:01
